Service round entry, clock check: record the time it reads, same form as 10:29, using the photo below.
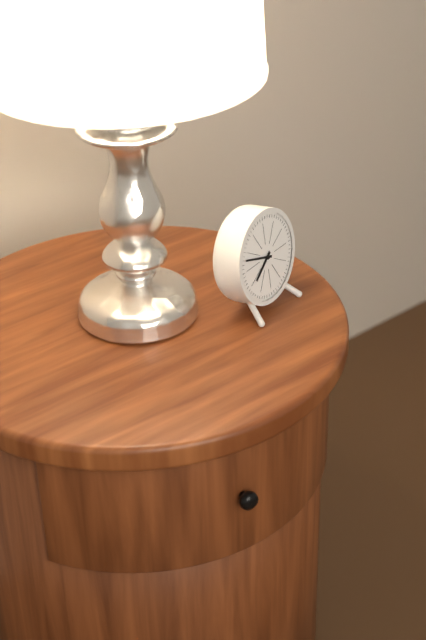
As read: 7:48
